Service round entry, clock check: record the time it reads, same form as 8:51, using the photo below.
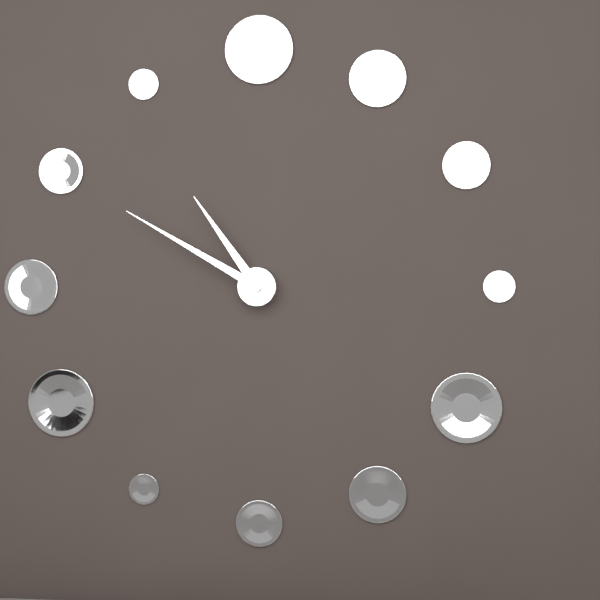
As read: 10:50
